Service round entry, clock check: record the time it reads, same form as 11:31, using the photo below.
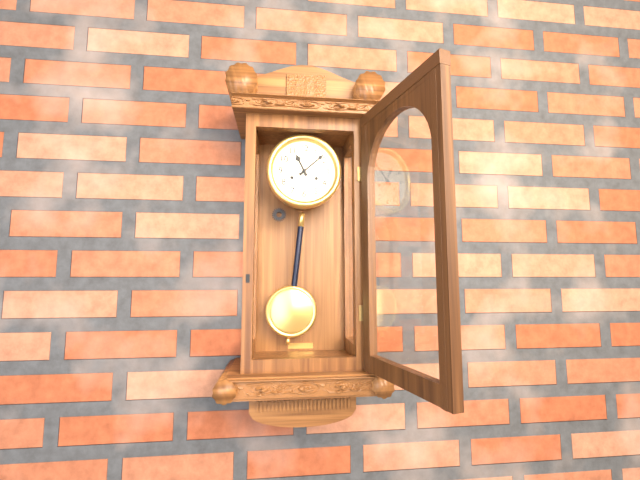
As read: 11:08
